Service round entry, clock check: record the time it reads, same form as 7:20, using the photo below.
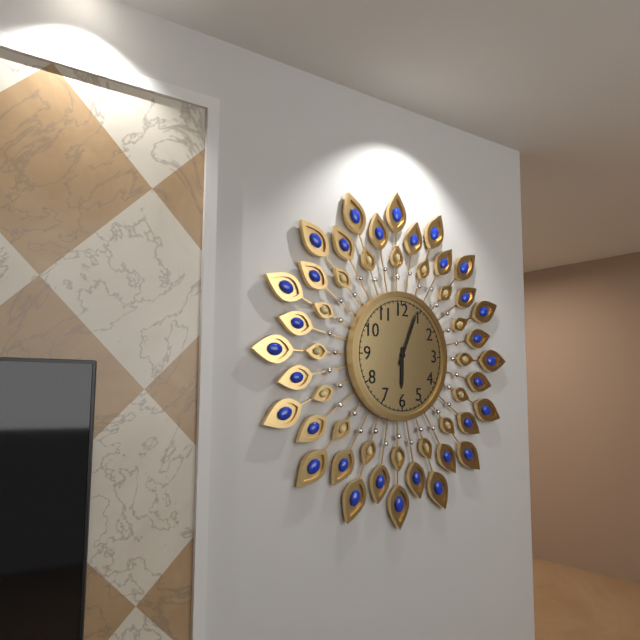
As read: 6:04
